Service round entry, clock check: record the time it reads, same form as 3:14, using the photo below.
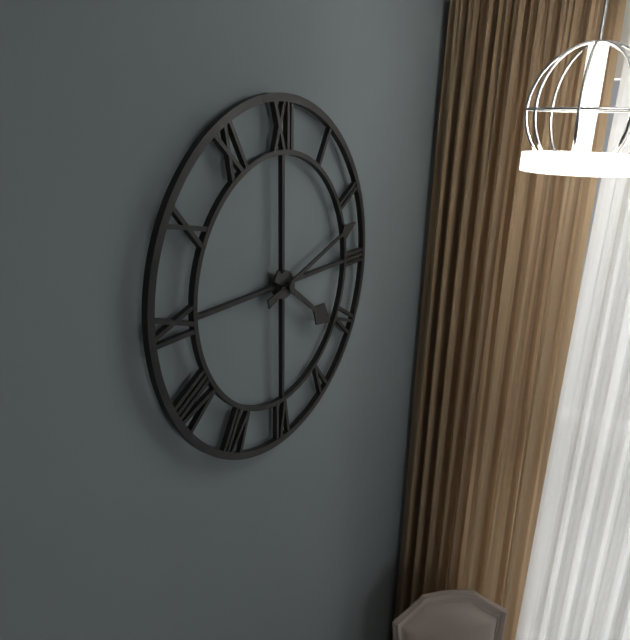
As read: 4:12
